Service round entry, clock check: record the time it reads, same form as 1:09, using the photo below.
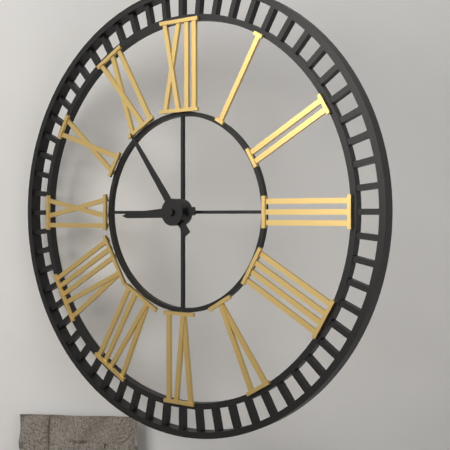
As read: 8:54
